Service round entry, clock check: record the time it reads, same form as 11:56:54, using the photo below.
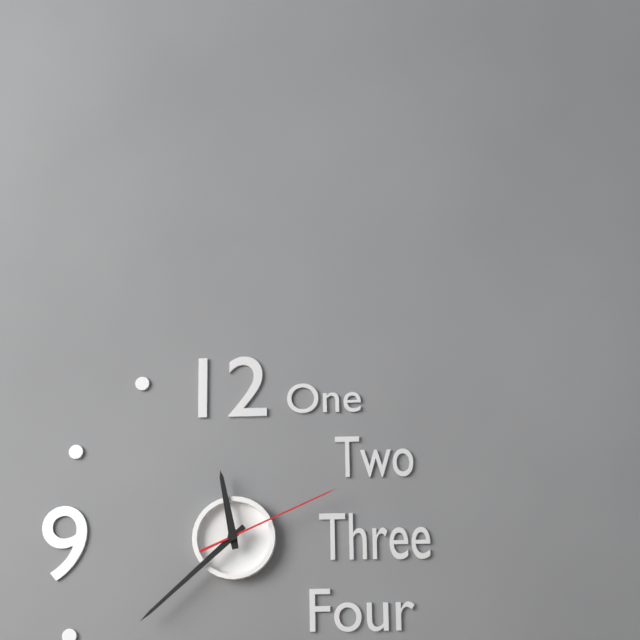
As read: 11:38:11
